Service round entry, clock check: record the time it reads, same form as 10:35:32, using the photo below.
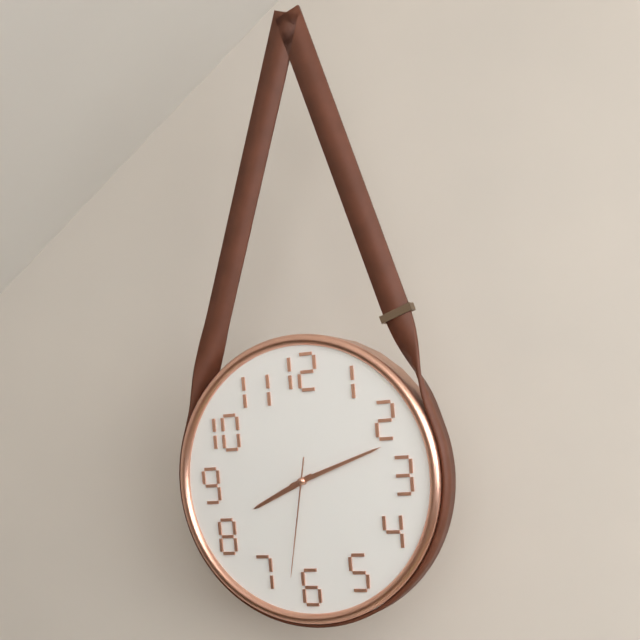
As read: 8:12:32
